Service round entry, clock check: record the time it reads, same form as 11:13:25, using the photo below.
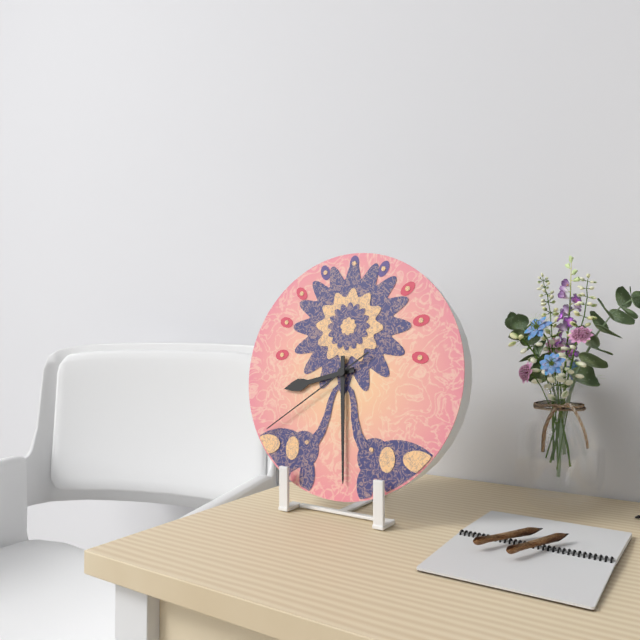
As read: 8:29:39
